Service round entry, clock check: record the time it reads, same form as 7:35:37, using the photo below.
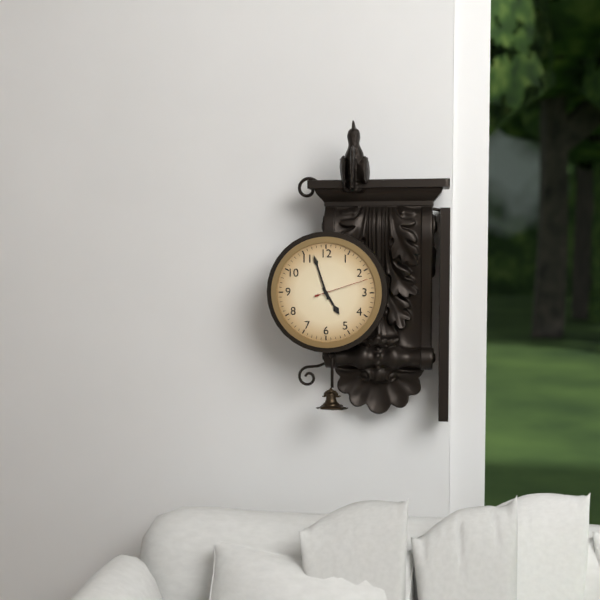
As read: 4:57:12
